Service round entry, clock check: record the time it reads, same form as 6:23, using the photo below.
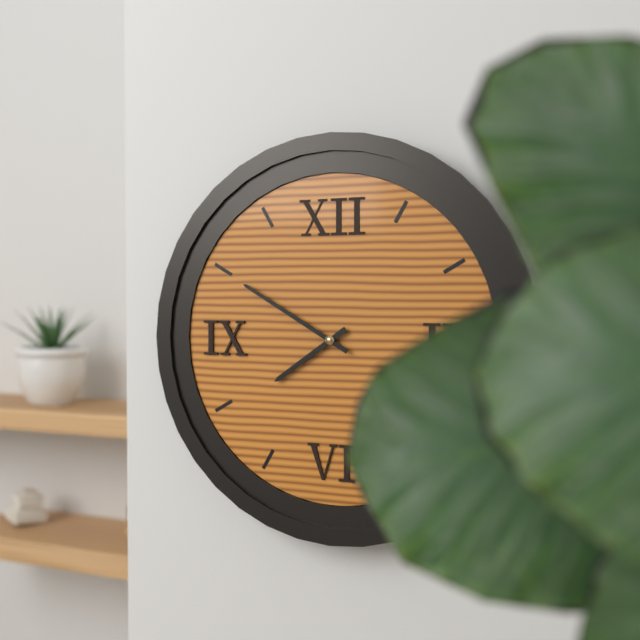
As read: 7:50
